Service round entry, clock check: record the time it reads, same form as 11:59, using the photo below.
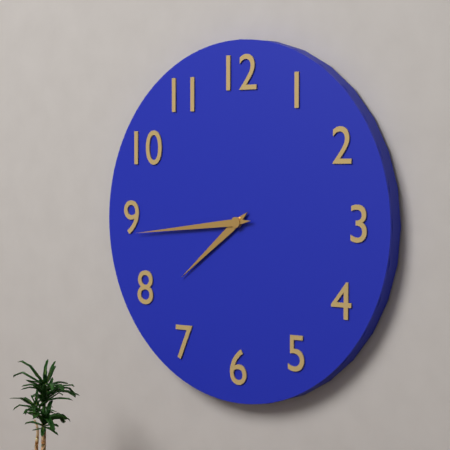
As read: 7:44
